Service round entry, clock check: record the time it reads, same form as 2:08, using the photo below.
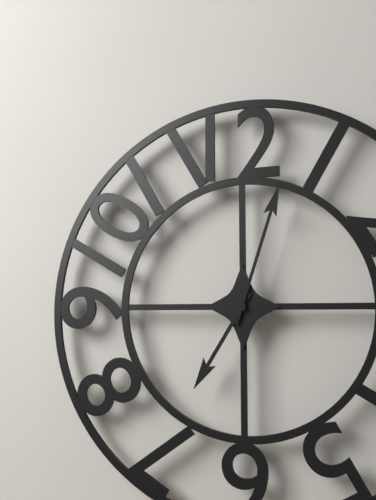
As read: 7:03
